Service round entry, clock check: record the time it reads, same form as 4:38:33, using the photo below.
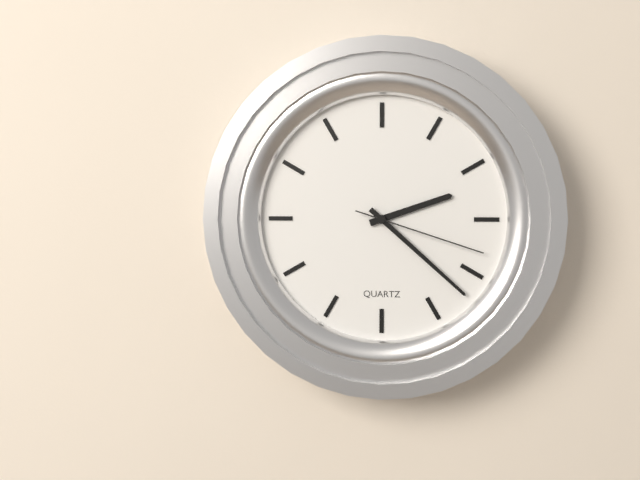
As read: 2:22:18
